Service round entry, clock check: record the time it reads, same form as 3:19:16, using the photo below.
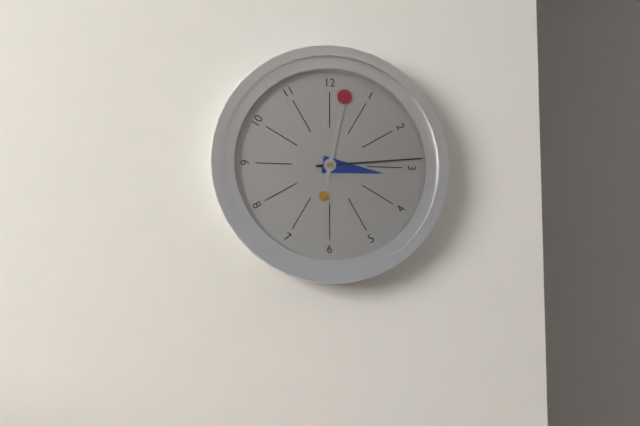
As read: 3:14:02
